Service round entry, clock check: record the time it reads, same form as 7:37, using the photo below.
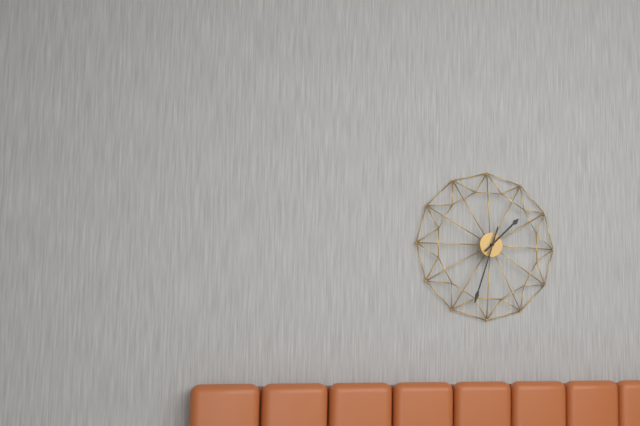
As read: 1:33
